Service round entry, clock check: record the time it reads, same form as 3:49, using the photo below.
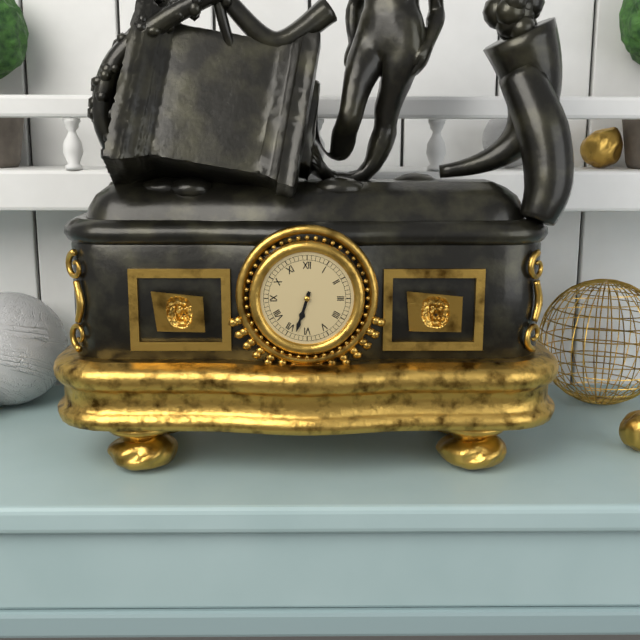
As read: 6:33
